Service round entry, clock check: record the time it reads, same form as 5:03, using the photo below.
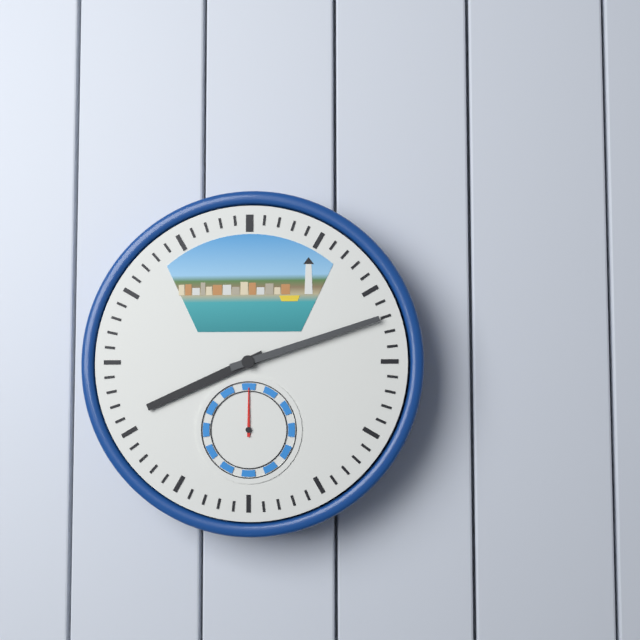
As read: 8:12
